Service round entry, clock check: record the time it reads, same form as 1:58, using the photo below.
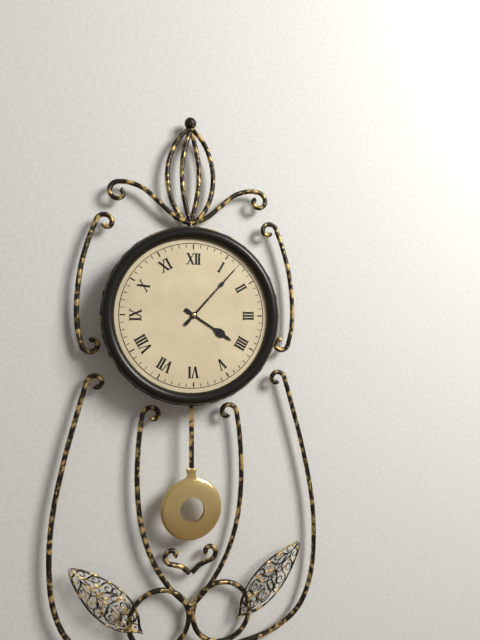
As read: 4:07
